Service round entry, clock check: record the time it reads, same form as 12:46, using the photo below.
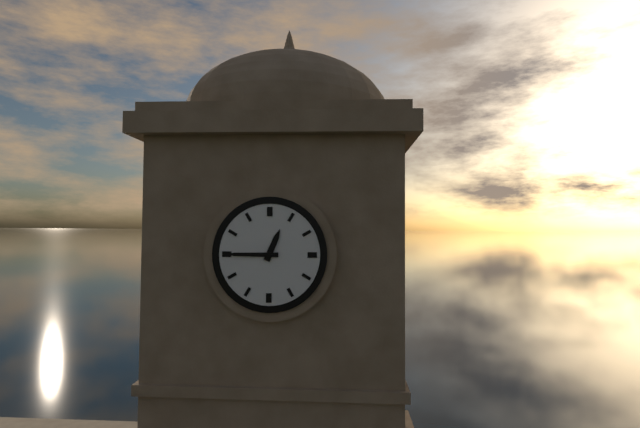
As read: 12:45
